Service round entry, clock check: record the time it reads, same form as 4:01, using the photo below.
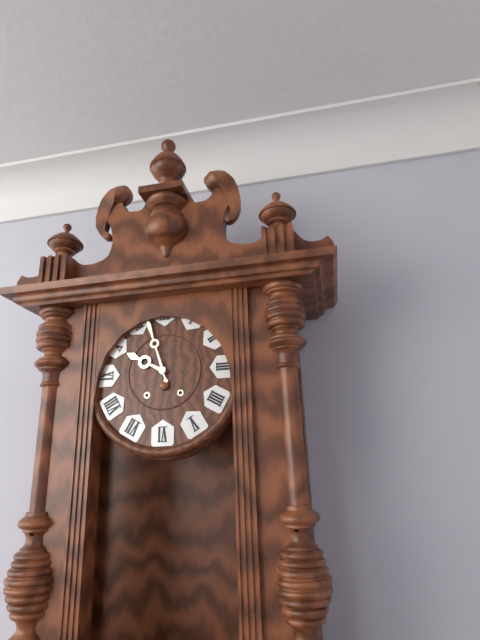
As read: 9:57
